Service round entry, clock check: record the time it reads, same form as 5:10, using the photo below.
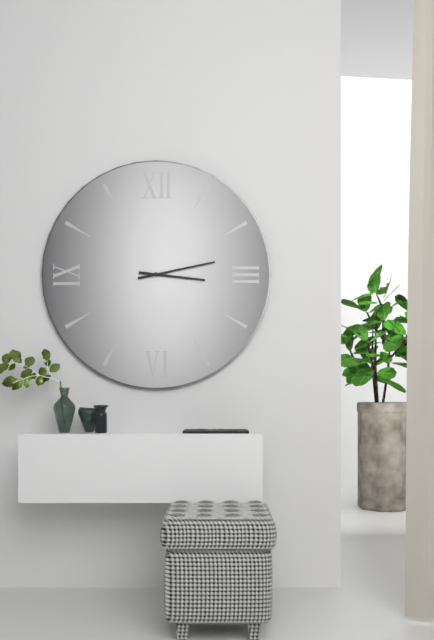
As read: 3:13
